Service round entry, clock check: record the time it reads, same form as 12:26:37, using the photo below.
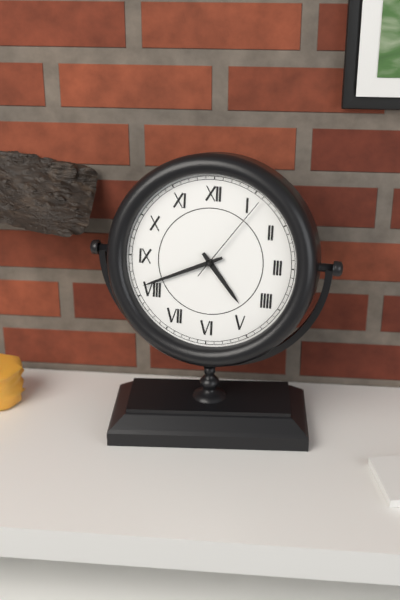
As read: 4:41:06
